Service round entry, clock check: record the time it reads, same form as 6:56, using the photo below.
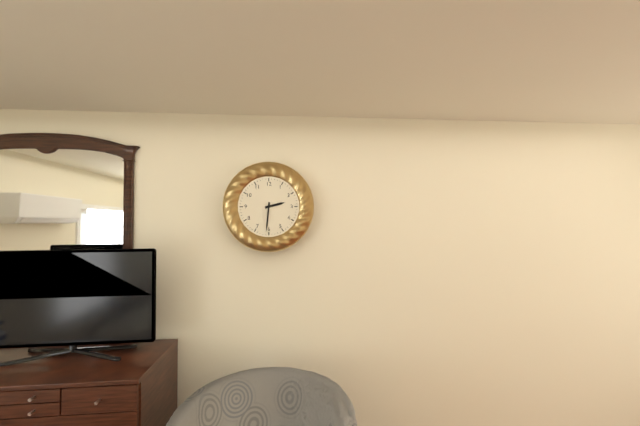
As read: 2:31
